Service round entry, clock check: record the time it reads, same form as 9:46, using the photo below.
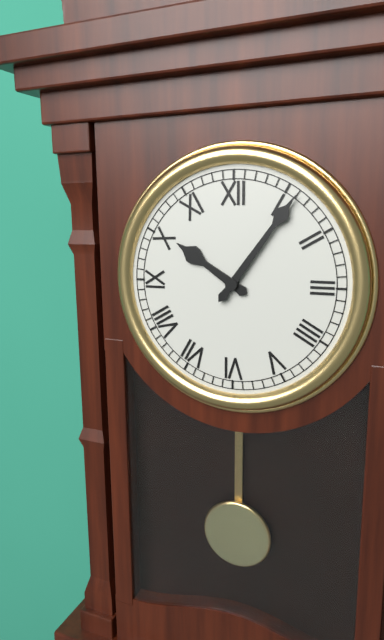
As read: 10:06
